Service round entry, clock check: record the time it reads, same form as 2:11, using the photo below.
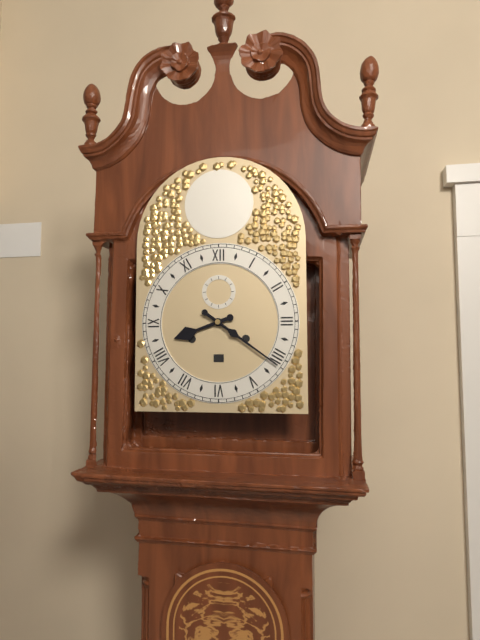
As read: 8:21
